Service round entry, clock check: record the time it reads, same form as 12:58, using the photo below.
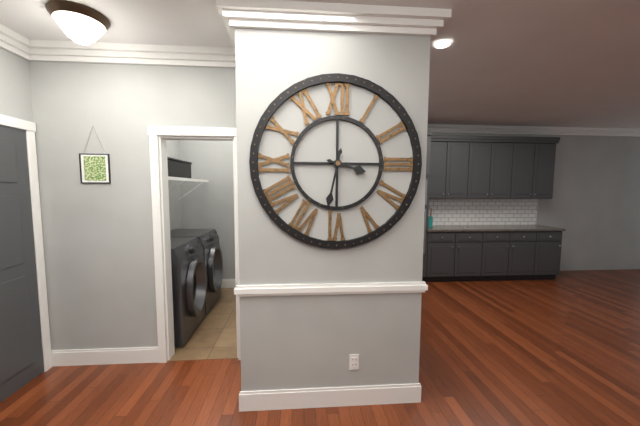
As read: 3:32
